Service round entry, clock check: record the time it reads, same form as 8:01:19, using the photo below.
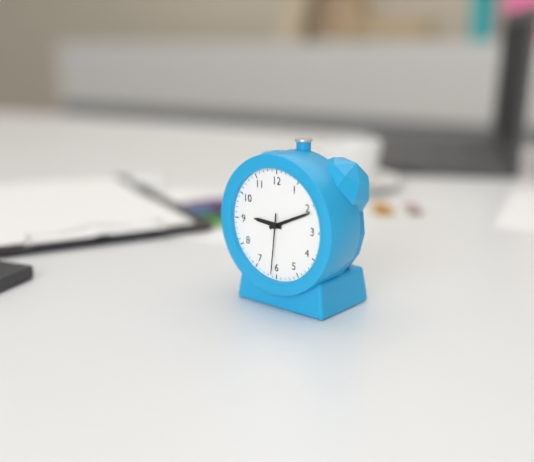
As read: 9:11:31
